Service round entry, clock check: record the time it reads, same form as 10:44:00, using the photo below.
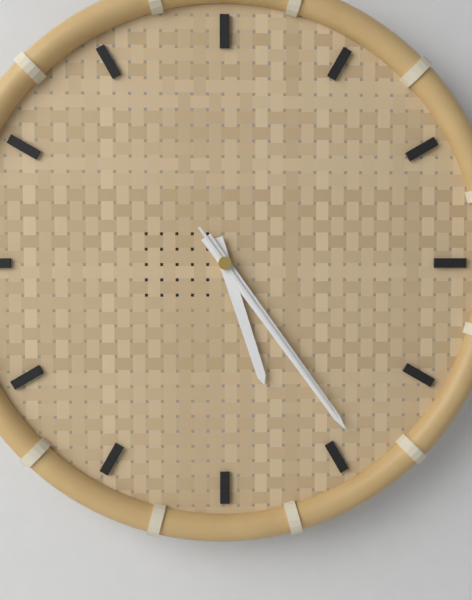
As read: 5:24:24
